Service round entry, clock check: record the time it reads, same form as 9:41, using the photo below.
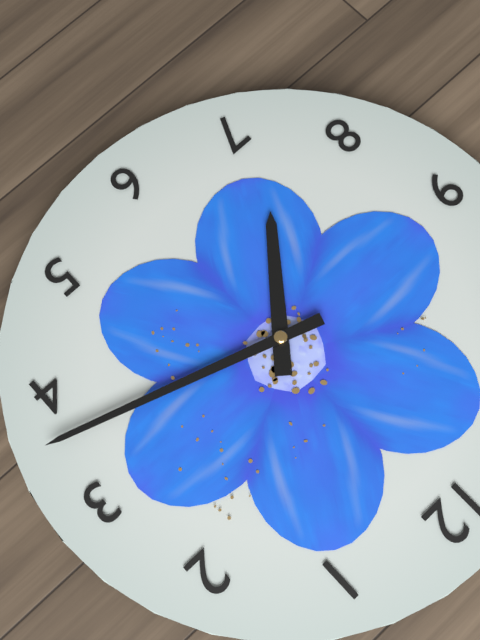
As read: 7:18
